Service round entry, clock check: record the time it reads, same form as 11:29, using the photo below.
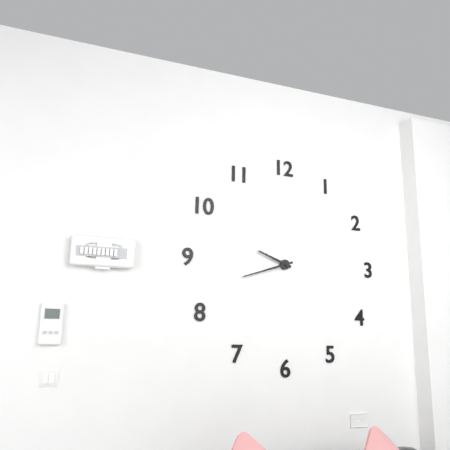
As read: 9:42
